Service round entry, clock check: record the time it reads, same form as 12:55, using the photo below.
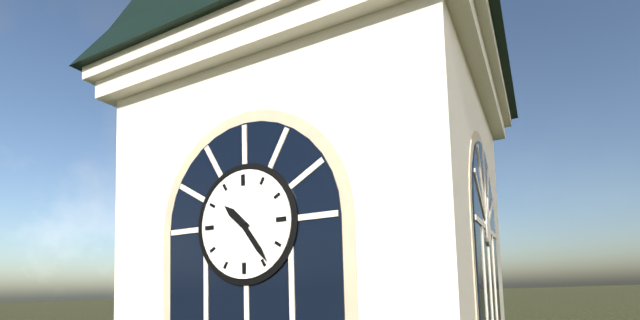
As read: 10:24
